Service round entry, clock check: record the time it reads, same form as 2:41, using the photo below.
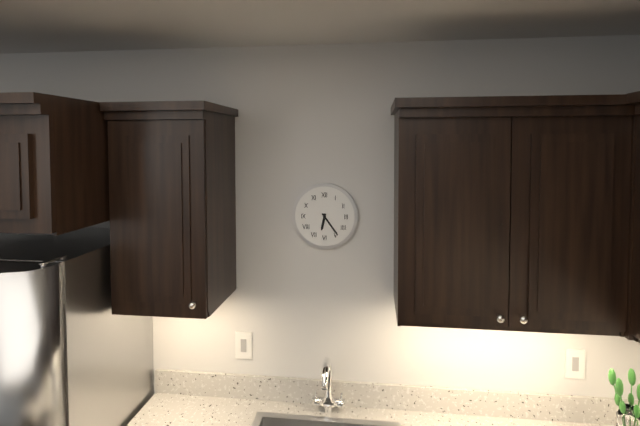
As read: 6:24
